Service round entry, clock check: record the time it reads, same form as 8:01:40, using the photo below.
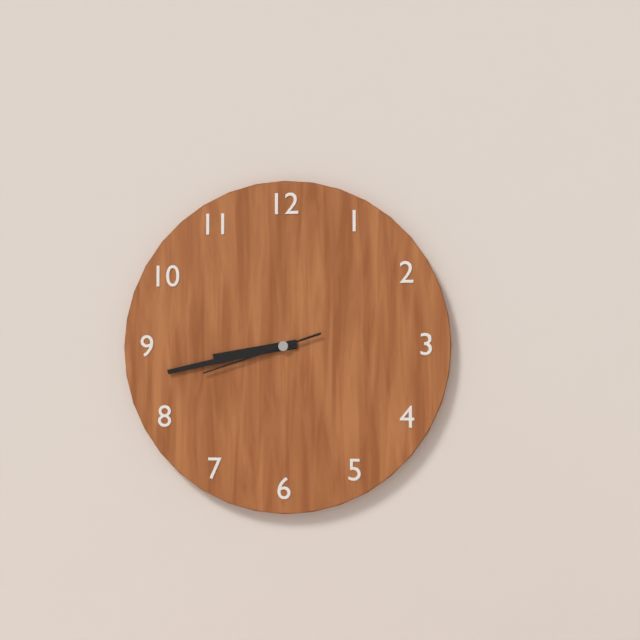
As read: 8:43:42
